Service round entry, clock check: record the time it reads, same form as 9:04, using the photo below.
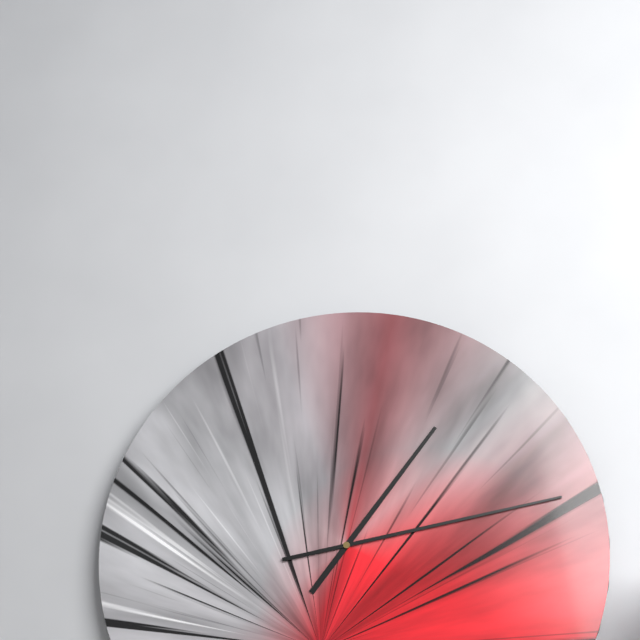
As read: 1:13
